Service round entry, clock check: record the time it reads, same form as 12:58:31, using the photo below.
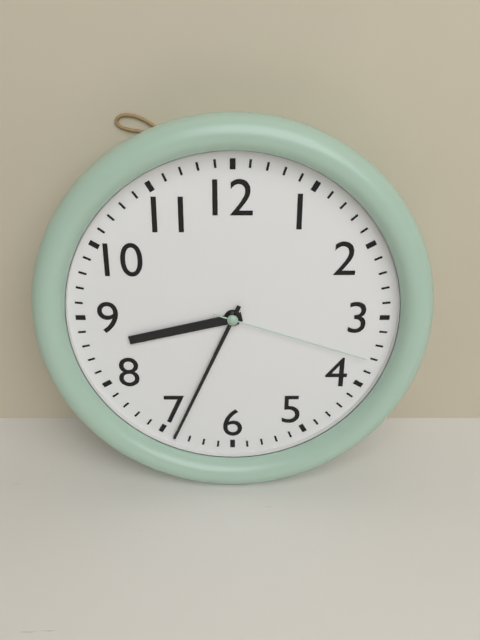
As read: 8:34:18
